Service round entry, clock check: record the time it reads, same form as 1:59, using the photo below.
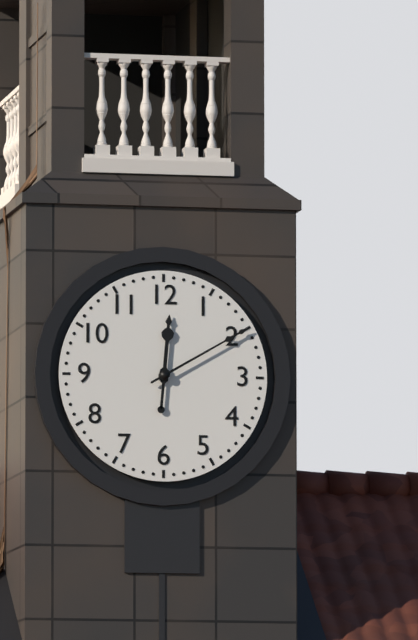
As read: 12:10
